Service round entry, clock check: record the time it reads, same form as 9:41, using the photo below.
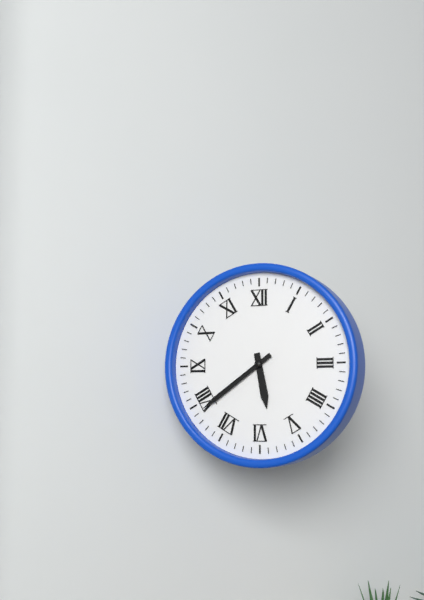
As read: 5:39
